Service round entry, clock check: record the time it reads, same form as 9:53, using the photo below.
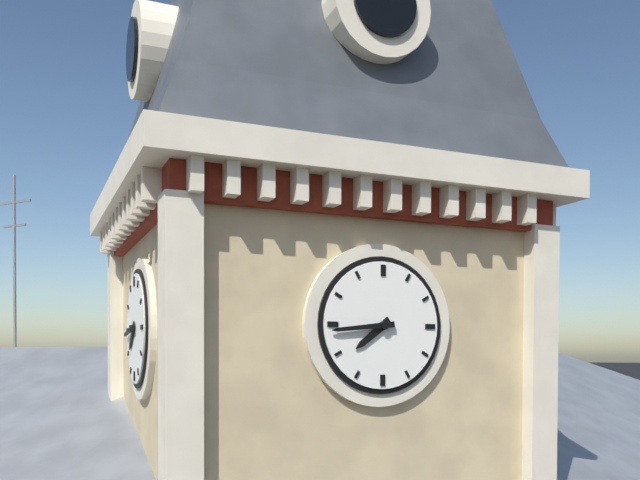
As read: 7:44
